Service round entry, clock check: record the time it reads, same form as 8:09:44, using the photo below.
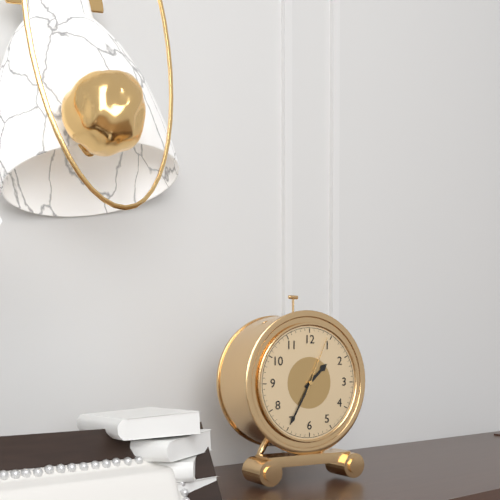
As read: 1:35:04
